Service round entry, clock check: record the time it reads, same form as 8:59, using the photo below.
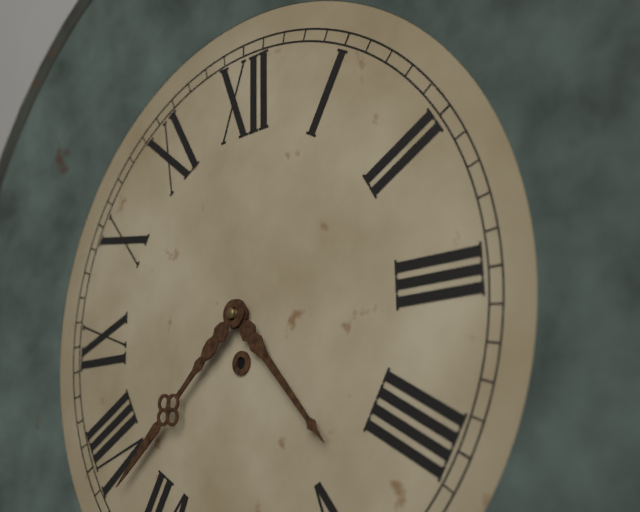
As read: 4:38
